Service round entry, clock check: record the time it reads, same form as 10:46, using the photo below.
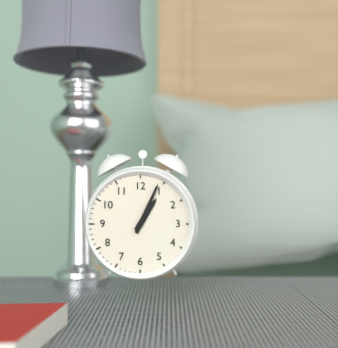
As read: 1:04
